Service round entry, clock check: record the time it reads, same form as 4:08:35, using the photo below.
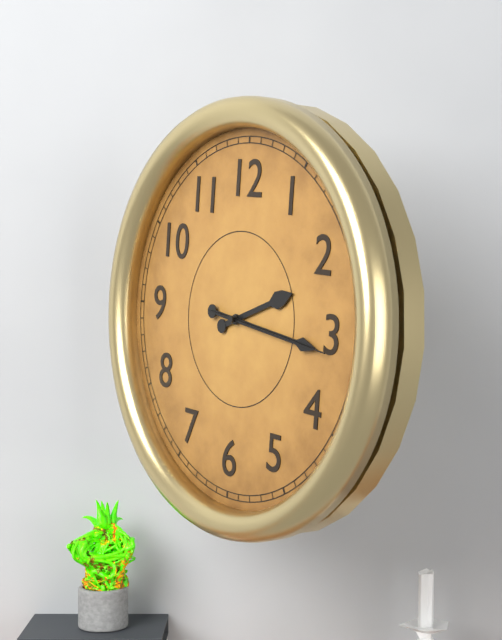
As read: 2:16:16
